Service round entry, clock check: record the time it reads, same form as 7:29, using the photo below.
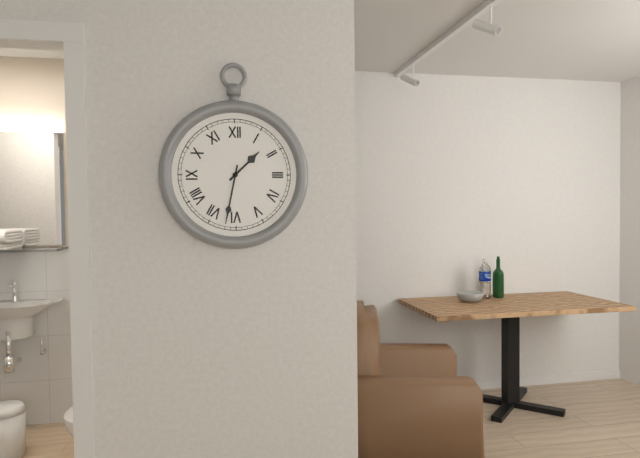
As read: 1:32
